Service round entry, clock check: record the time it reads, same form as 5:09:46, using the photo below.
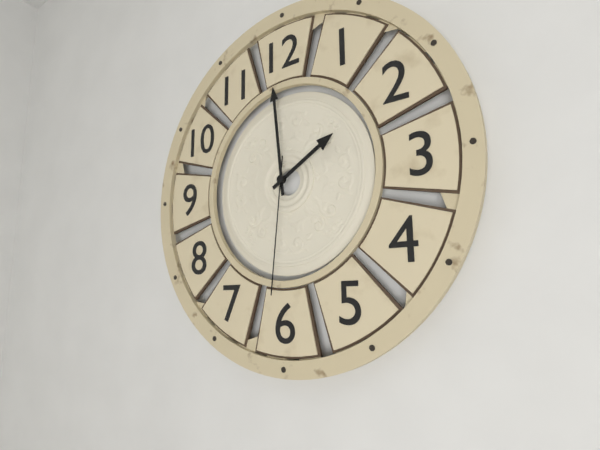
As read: 1:59:31
